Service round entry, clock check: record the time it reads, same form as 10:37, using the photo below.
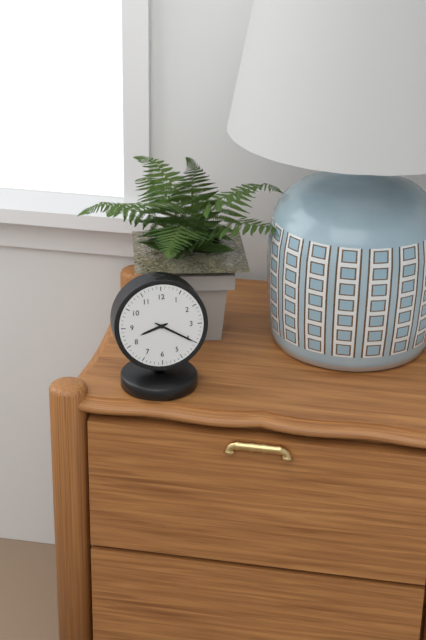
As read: 8:20
